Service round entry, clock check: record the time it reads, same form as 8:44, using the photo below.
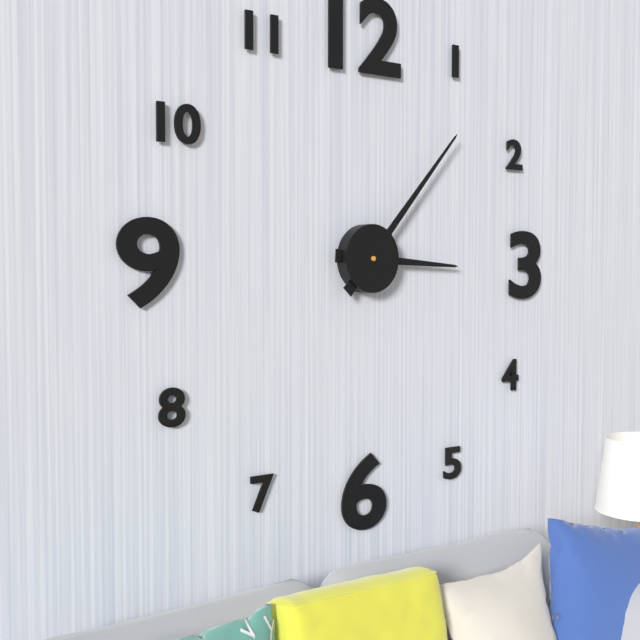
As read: 3:07
